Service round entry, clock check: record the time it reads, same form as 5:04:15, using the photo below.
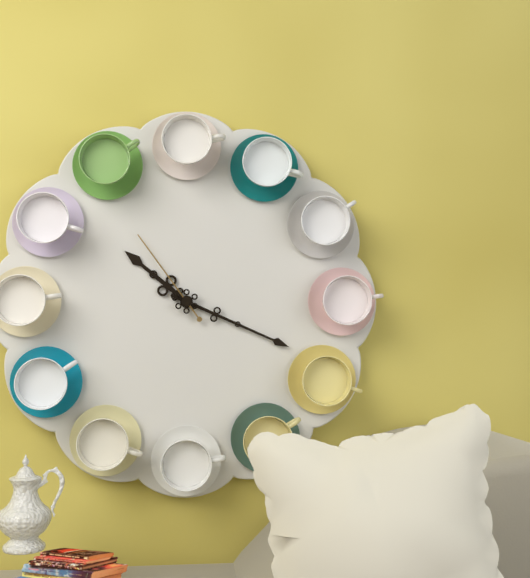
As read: 10:19:54
